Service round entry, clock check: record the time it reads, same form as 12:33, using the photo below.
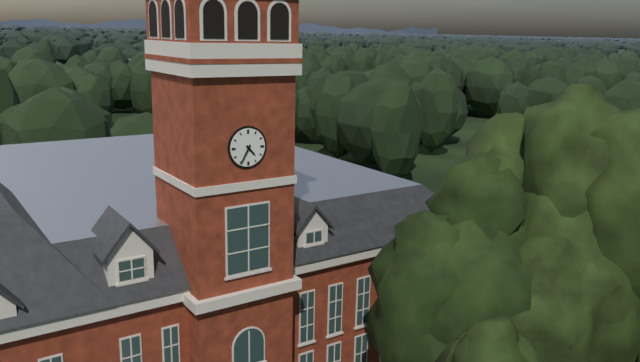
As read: 4:35
